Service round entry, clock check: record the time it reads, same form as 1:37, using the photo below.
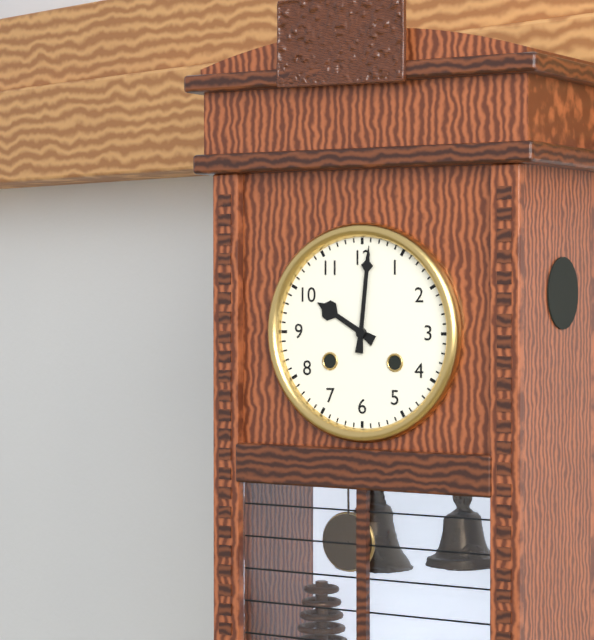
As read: 10:01
